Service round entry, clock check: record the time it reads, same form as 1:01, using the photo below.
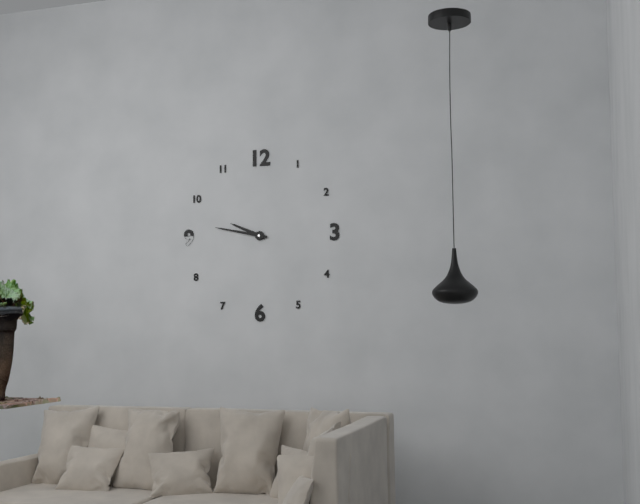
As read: 9:47
